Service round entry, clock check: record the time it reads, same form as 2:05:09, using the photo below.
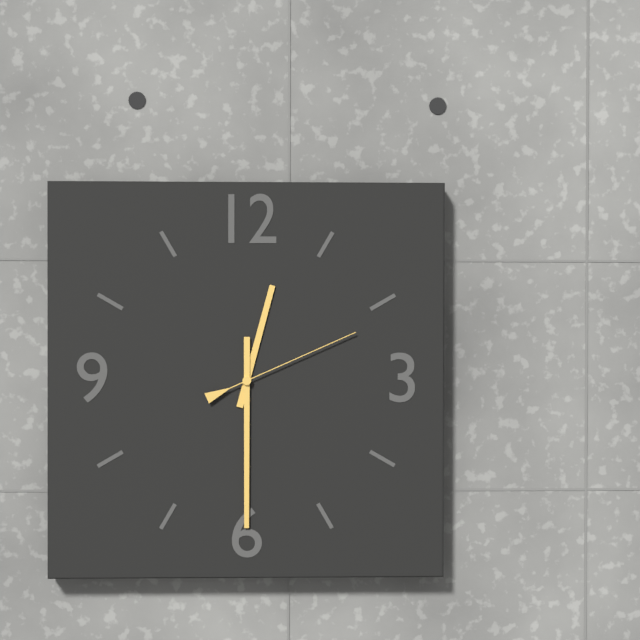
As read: 12:30:11
